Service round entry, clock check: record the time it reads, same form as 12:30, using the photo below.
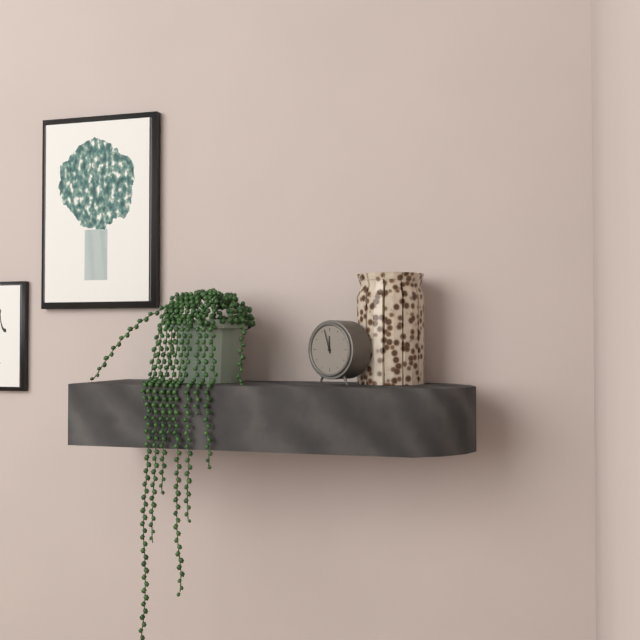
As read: 11:57
